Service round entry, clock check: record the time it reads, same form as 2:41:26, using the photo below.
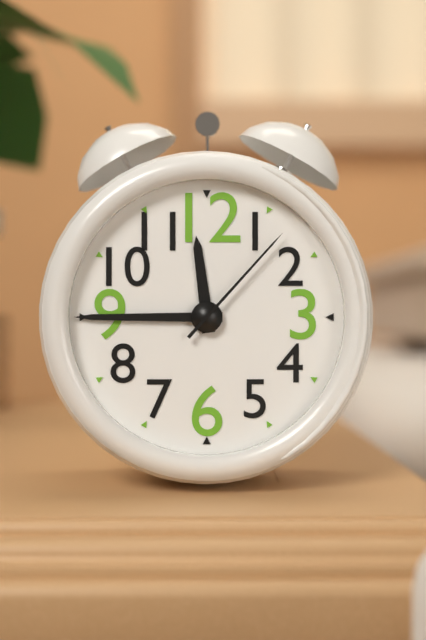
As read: 11:45:07
